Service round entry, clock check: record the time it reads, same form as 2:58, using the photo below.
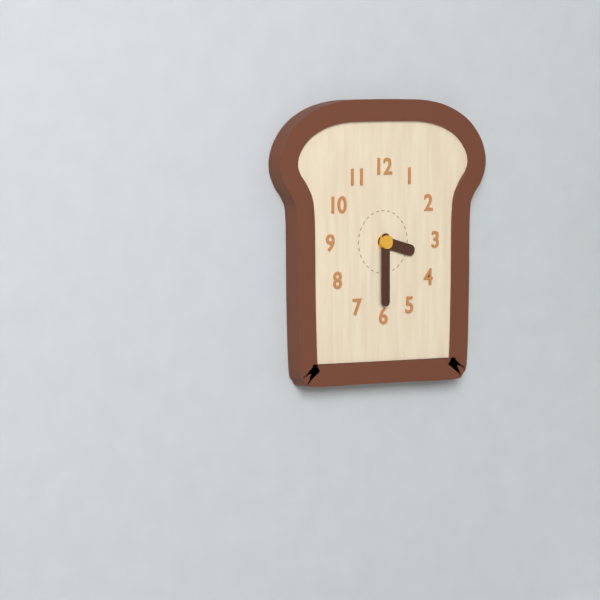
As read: 3:30
